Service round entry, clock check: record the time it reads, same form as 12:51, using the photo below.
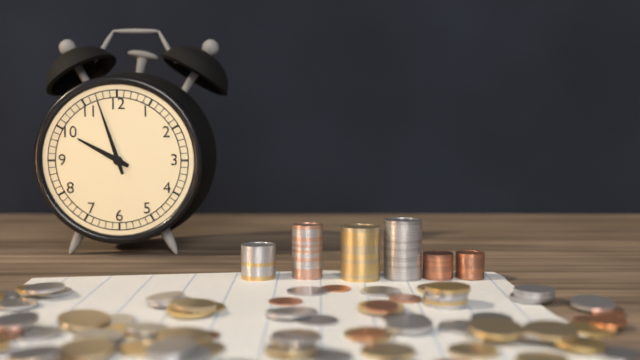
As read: 9:57
